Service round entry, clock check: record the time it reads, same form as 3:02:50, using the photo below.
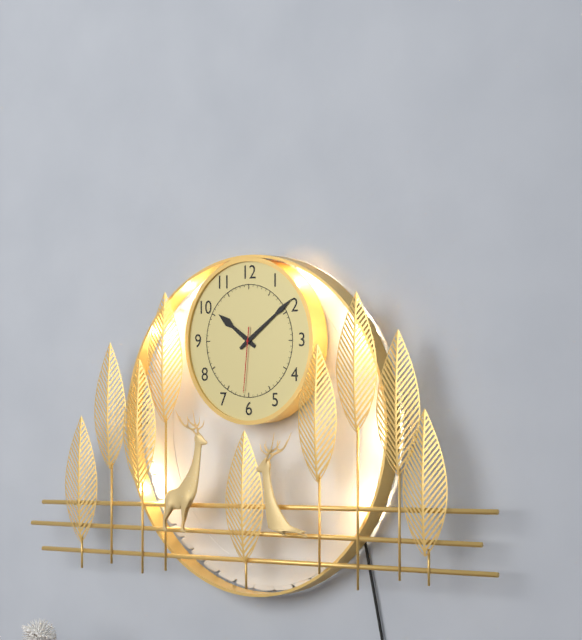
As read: 10:09:31
